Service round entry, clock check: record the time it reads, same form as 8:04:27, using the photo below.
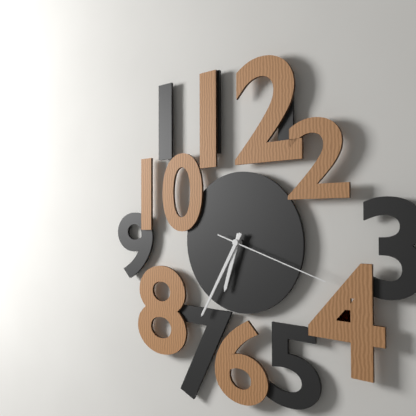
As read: 6:35:18
